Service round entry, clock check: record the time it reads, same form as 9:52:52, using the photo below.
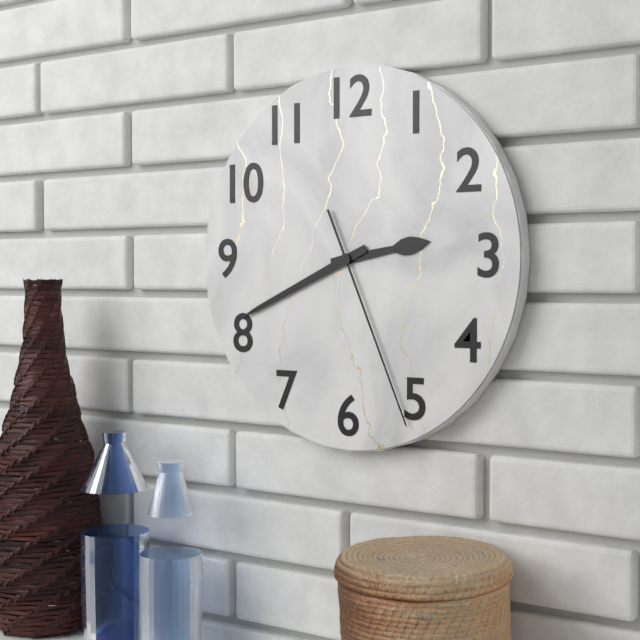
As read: 2:41:26
